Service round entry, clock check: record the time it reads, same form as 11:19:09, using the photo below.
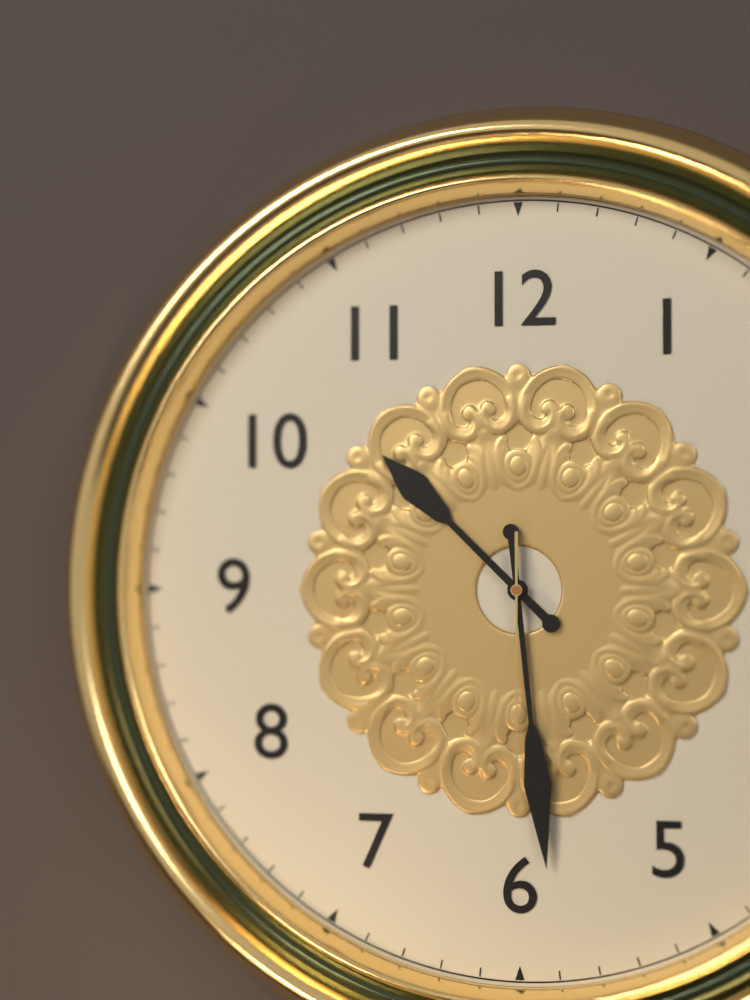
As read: 10:29:30
